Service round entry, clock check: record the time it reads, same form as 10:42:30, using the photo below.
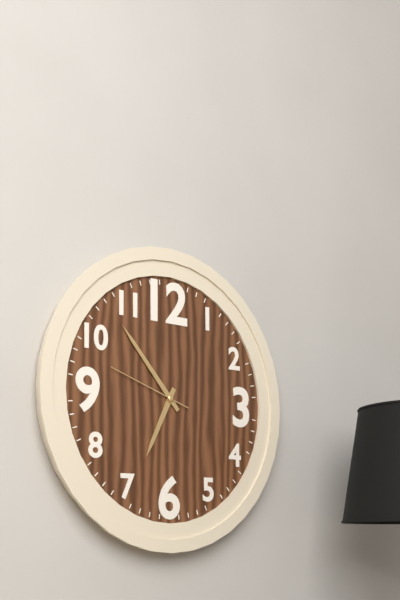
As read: 6:53:48
